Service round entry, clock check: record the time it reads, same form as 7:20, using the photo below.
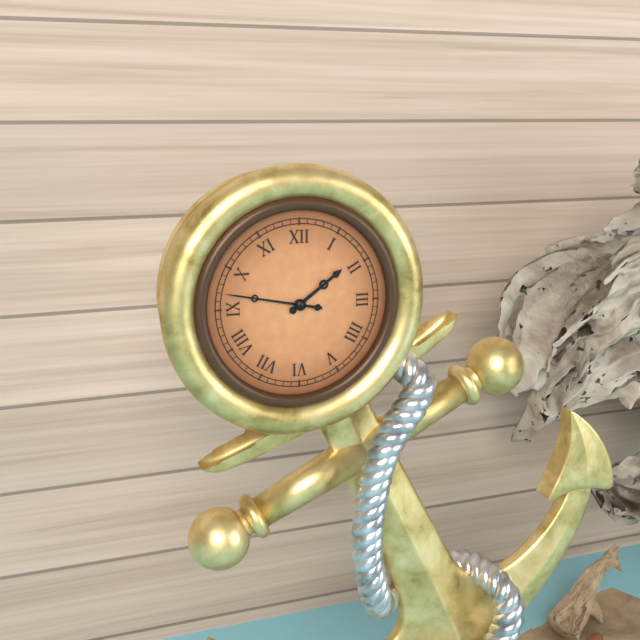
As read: 1:47
